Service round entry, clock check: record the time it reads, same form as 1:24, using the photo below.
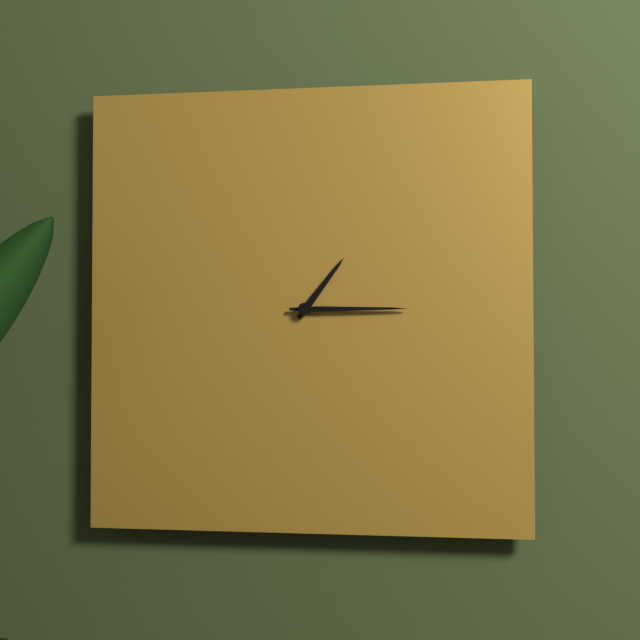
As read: 1:15
